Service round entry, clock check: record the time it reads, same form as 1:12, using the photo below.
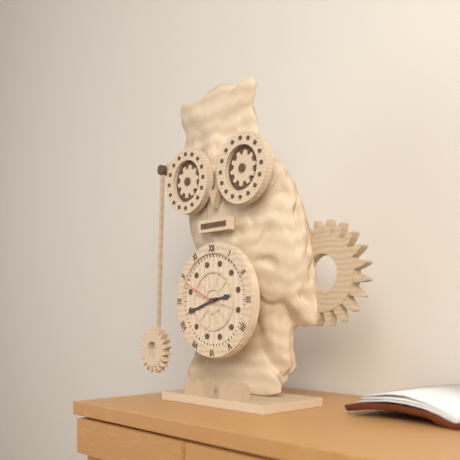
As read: 2:42
